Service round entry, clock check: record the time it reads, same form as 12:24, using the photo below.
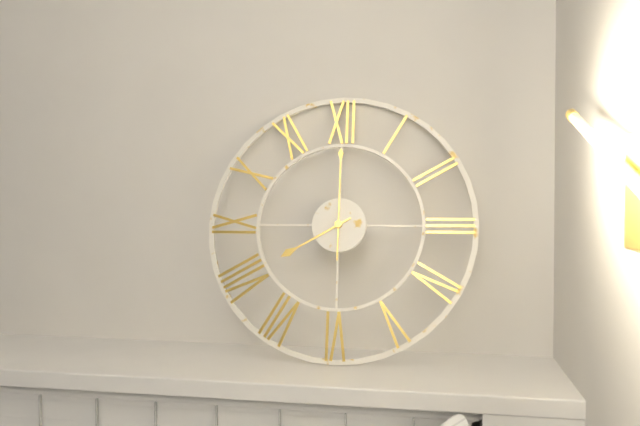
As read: 8:00
